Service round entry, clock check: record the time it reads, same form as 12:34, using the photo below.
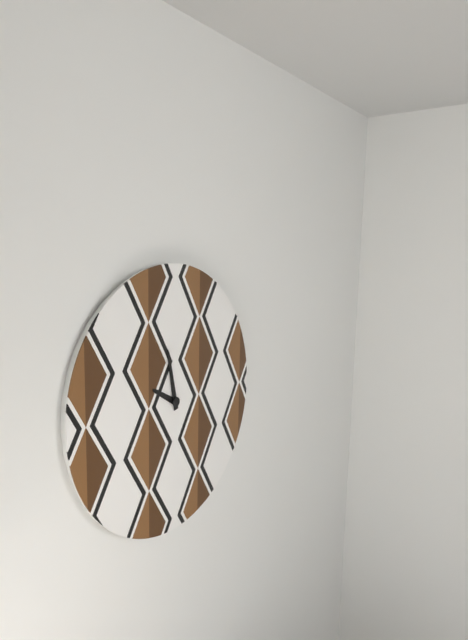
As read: 9:58
